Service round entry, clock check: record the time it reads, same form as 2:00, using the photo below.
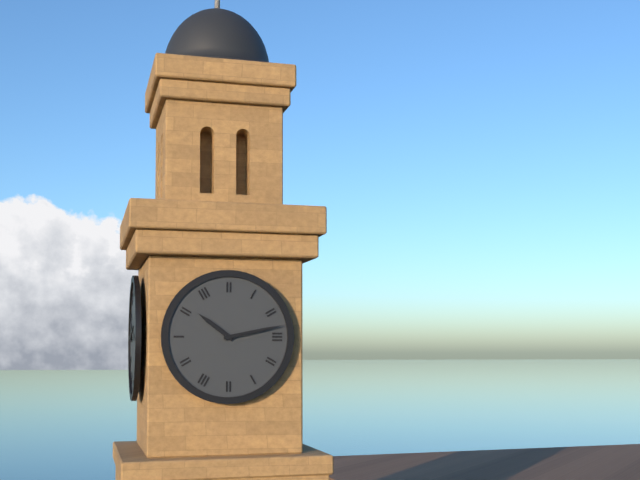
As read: 10:13
